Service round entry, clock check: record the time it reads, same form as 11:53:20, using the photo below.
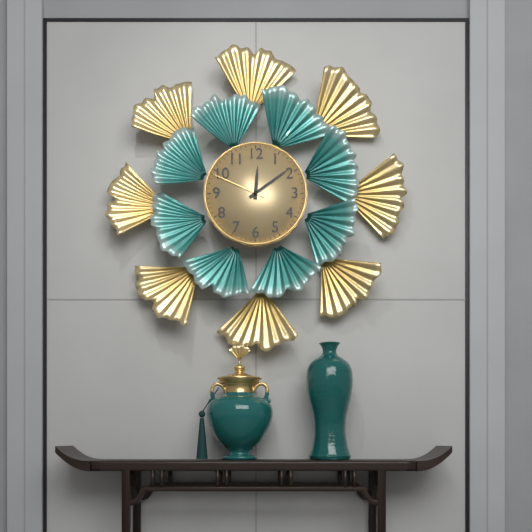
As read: 12:09:49
